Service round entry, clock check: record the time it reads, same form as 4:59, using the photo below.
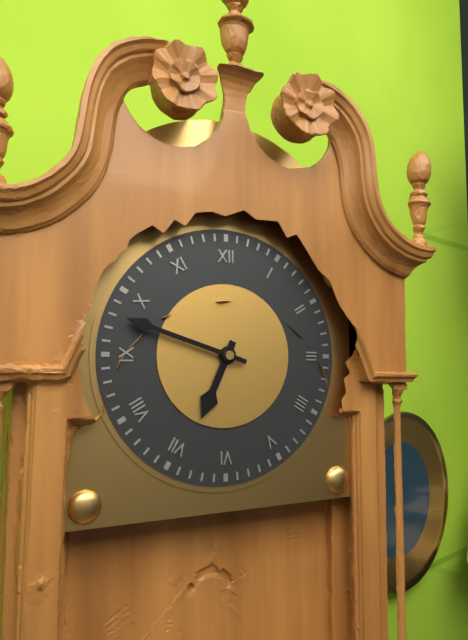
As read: 6:48
